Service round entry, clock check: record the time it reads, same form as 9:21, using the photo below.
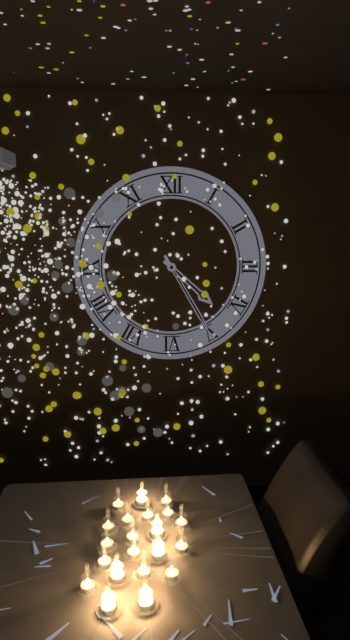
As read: 4:25
